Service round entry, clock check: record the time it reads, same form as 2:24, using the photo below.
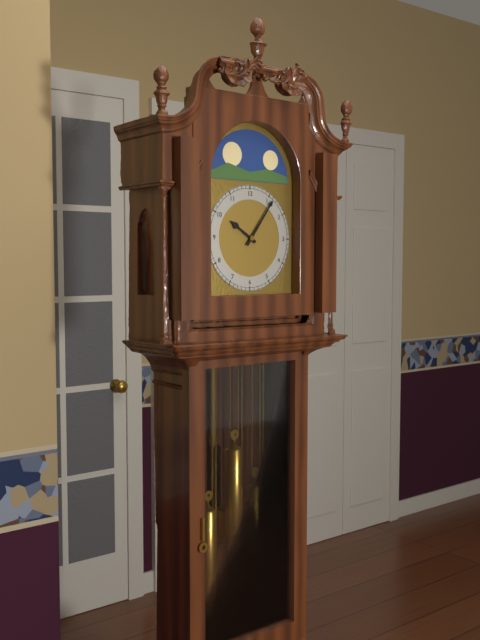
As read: 10:06
